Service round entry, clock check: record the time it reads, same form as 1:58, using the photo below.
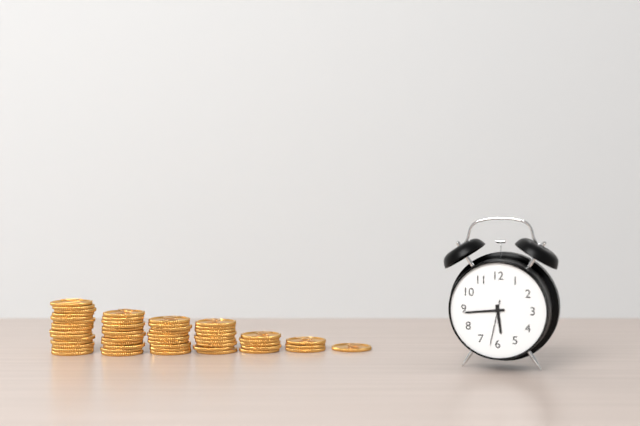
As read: 5:44
